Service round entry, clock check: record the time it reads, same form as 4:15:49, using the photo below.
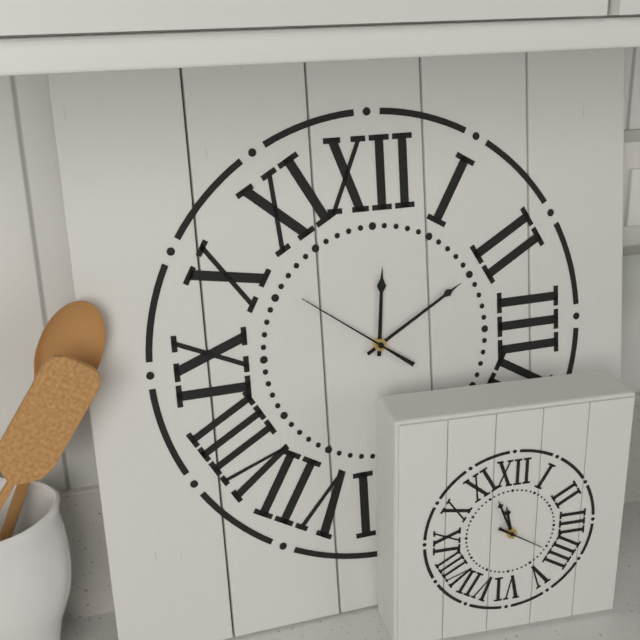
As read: 12:10:51
